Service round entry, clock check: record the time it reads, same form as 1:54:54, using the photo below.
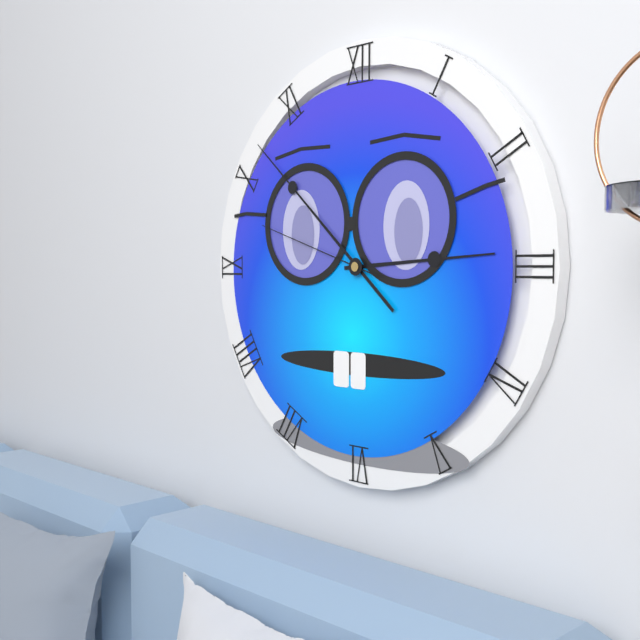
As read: 2:52:48
